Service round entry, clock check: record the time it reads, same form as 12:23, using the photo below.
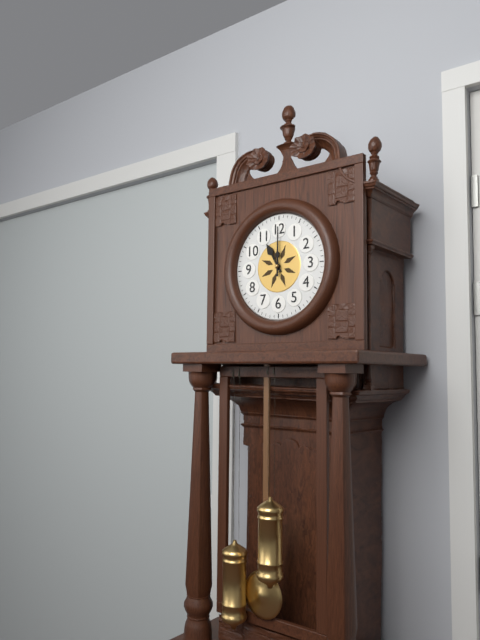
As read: 11:00
